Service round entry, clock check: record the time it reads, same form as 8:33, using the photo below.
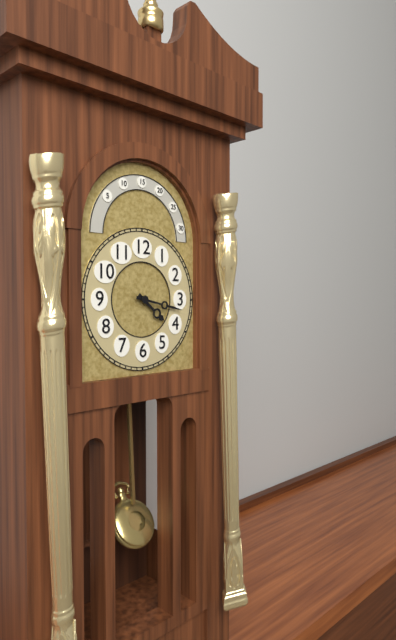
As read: 4:17
